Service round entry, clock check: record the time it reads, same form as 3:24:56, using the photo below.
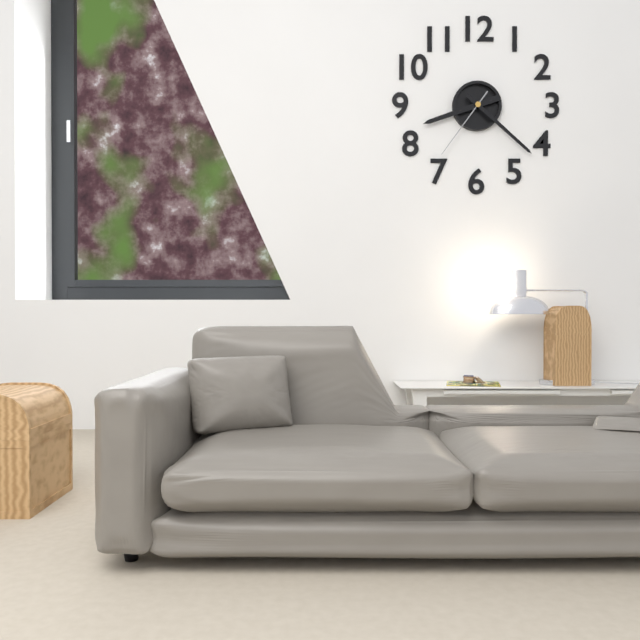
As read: 8:22:36
